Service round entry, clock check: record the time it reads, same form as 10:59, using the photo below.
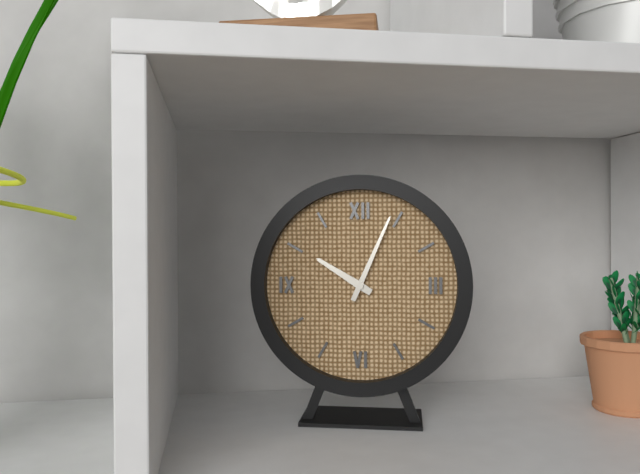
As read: 10:04
